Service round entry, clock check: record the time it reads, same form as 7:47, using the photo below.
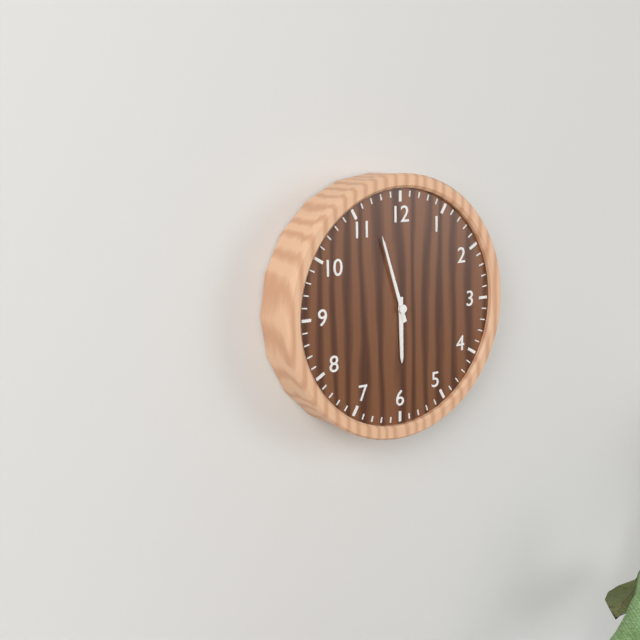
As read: 5:57
